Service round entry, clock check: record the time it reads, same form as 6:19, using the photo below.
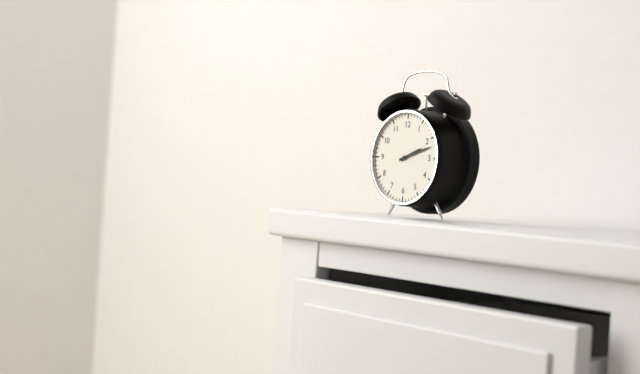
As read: 2:12
